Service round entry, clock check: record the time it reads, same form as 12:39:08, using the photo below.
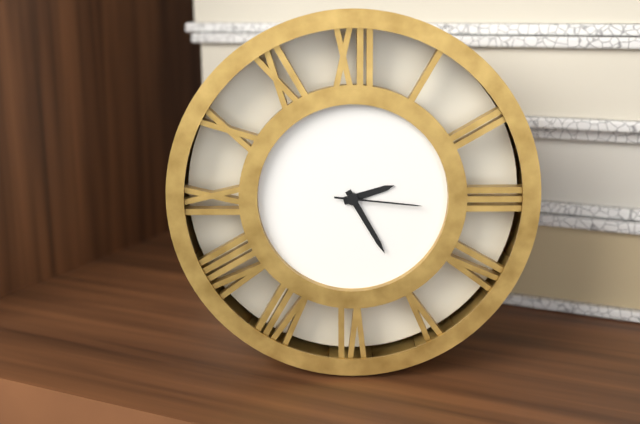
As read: 2:25:16
